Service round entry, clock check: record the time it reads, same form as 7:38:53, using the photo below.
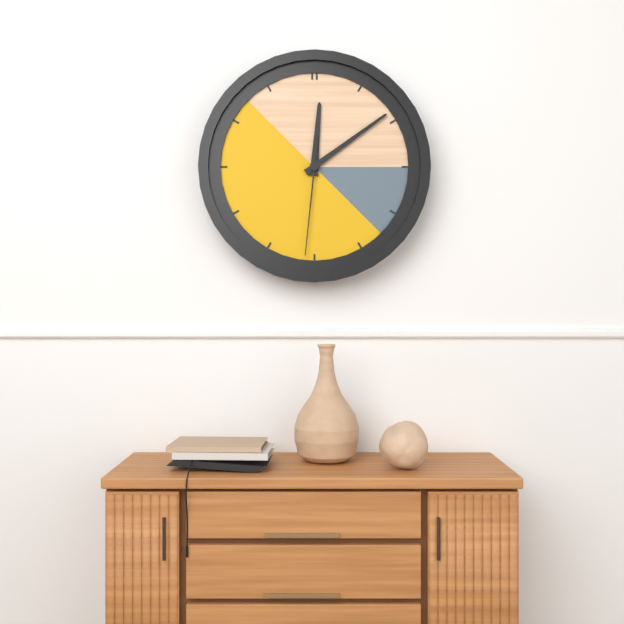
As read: 12:09:31
